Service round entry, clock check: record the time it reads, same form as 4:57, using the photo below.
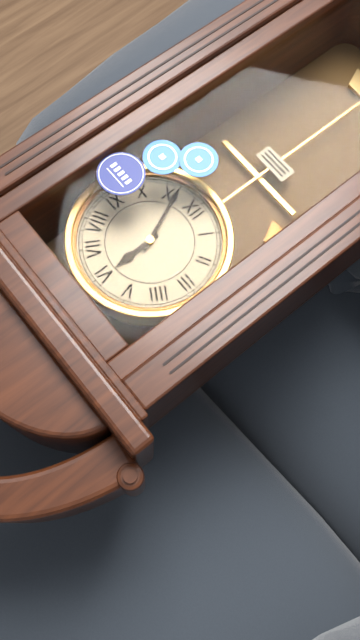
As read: 5:56
